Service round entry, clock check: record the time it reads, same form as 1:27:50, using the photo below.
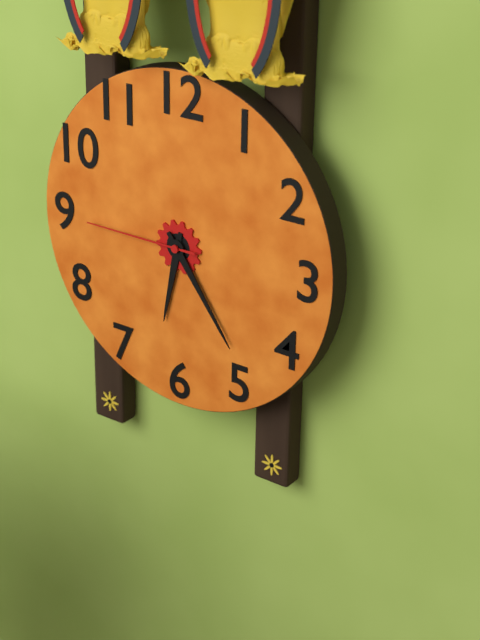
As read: 6:24:45
